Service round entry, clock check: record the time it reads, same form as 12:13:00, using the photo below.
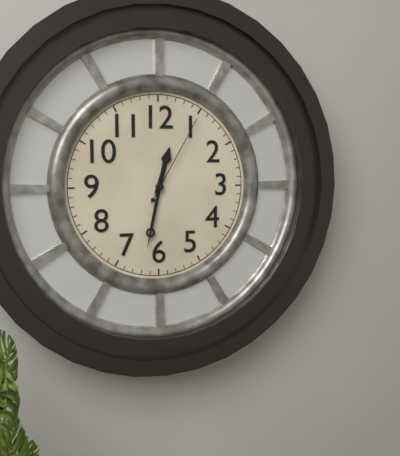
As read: 12:32:05
